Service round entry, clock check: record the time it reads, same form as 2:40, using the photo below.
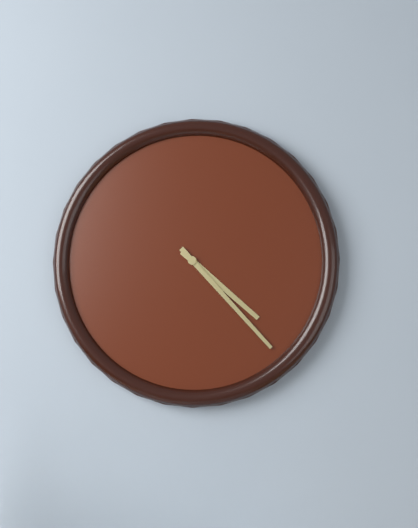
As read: 4:23
